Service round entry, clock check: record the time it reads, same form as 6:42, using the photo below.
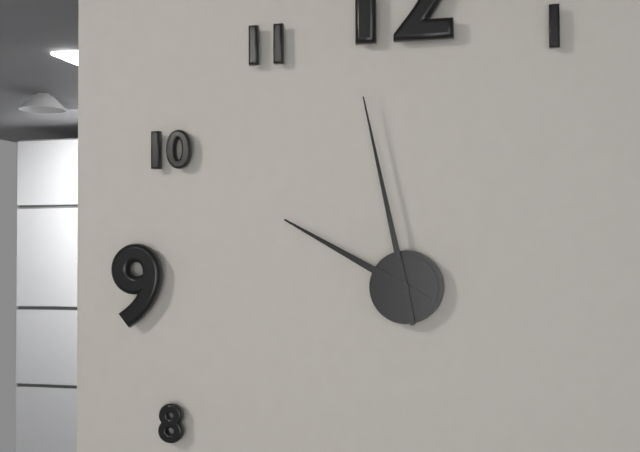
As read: 9:58
